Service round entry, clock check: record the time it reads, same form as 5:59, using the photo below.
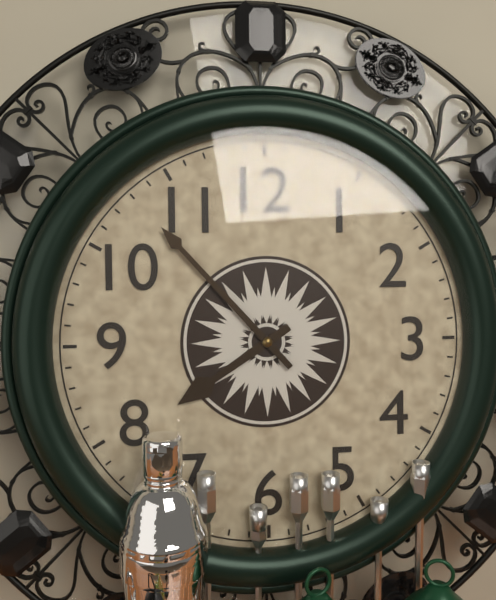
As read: 7:53
